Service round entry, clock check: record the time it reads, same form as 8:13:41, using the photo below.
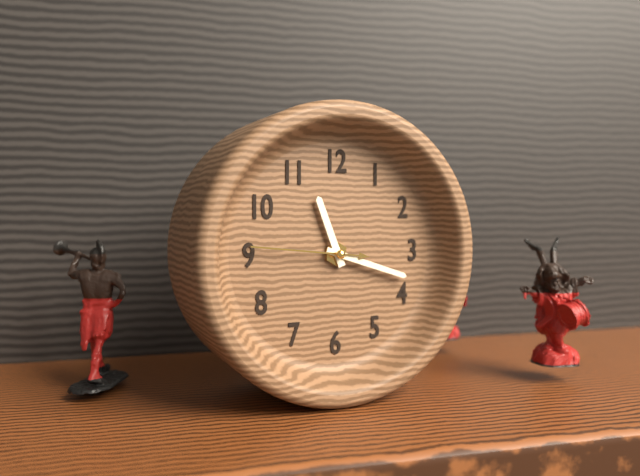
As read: 11:18:46
